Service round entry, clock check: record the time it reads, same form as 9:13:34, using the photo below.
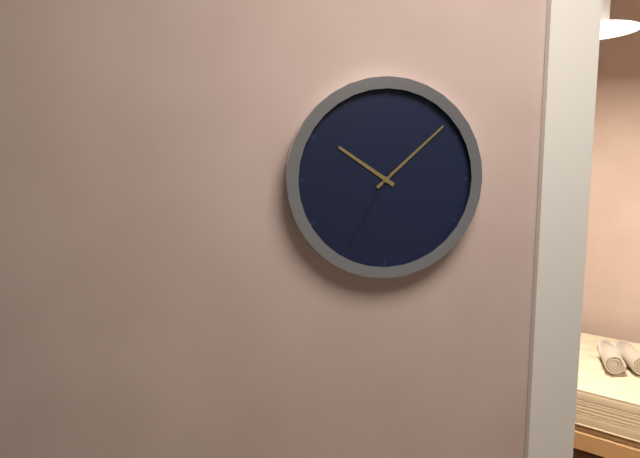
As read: 10:08:35
